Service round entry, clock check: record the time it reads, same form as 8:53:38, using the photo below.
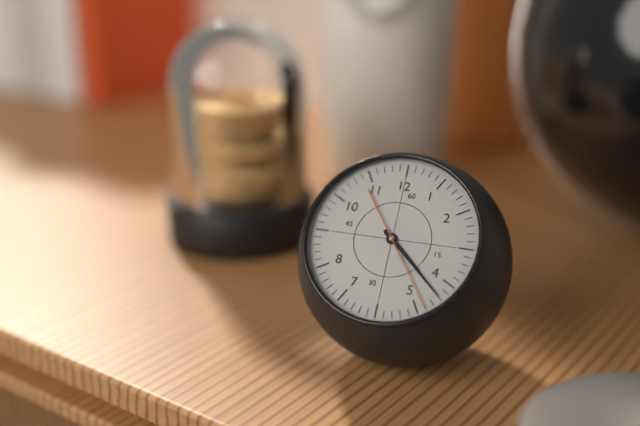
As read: 4:22:24
